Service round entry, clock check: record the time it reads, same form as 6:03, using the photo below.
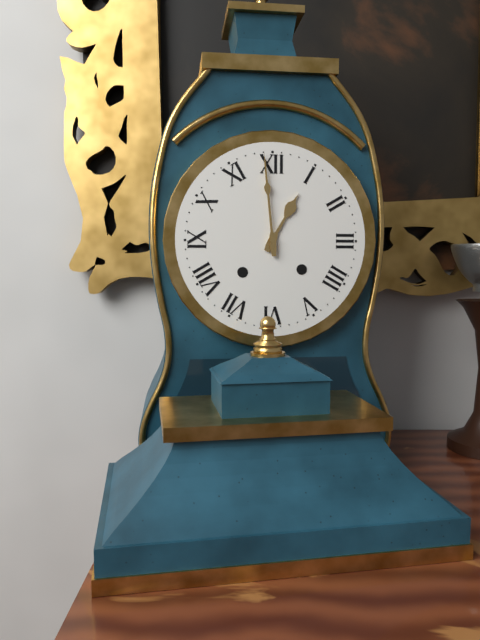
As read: 12:59
